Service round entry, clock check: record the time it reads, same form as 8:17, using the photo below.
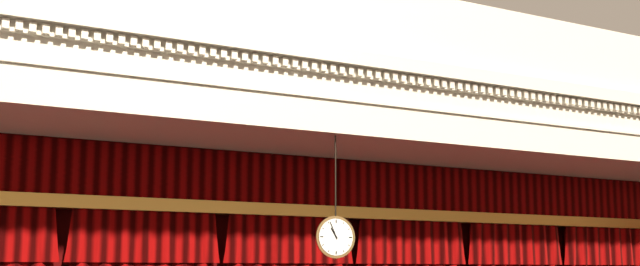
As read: 10:56
